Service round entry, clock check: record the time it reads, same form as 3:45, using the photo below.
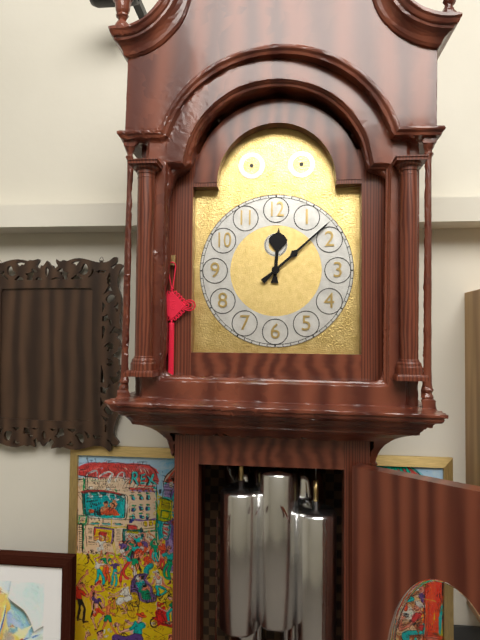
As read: 12:08
